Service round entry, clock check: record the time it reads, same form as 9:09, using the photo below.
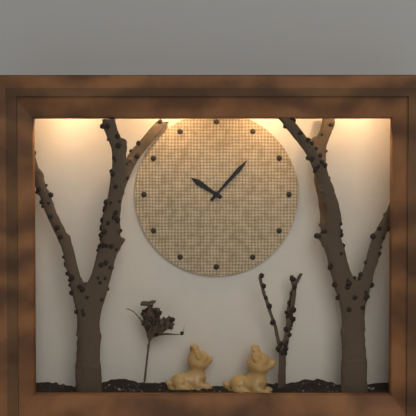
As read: 10:07
